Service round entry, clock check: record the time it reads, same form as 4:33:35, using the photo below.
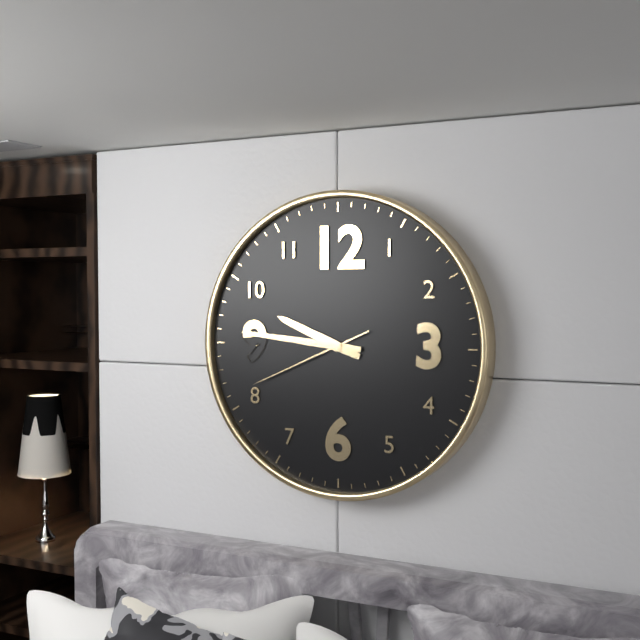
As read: 9:46:41
